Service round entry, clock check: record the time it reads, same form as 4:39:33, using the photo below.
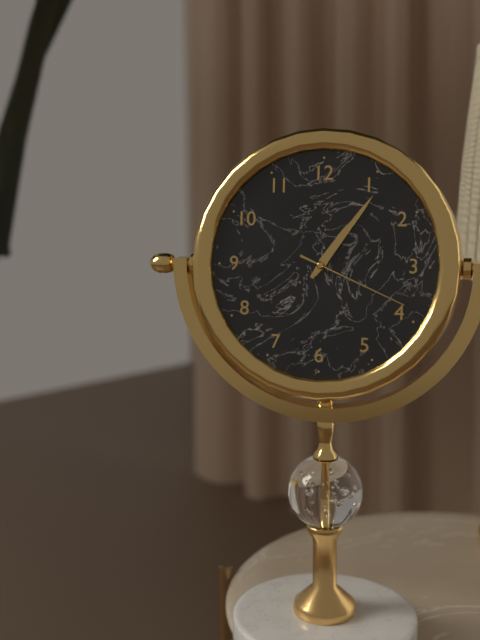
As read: 1:06:19
